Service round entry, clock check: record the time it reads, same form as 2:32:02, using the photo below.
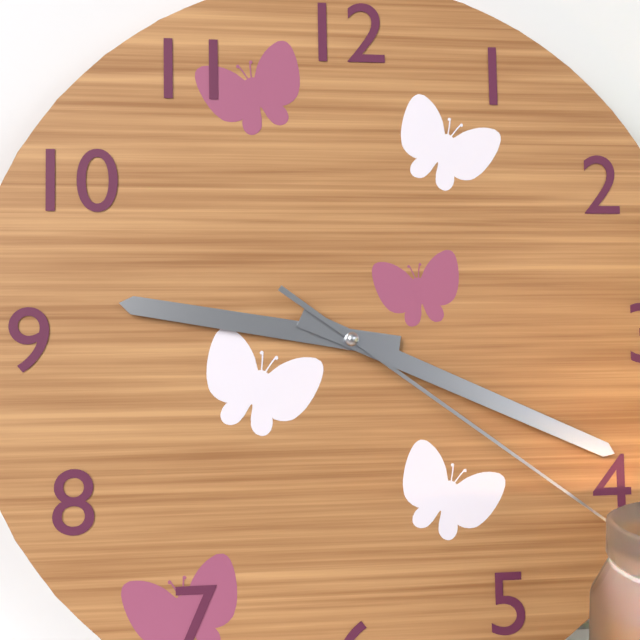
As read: 9:19:21
